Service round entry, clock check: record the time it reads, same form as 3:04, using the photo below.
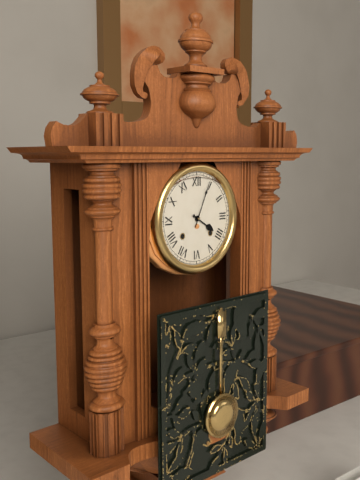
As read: 4:04
